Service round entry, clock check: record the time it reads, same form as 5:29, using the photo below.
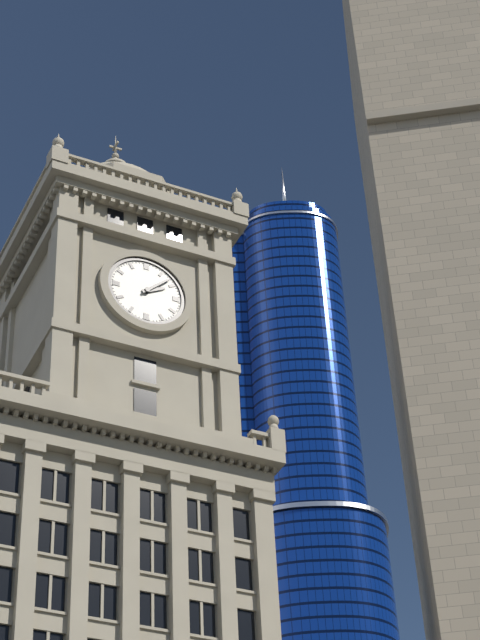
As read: 2:08
